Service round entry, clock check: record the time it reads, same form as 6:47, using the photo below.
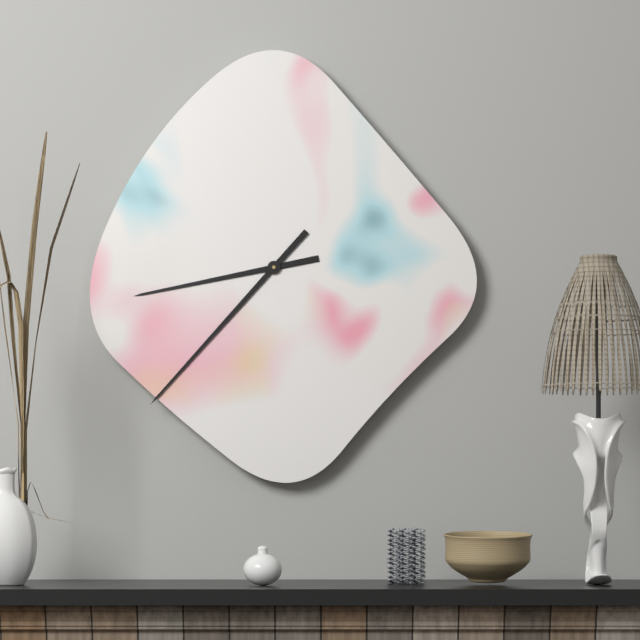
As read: 8:37
